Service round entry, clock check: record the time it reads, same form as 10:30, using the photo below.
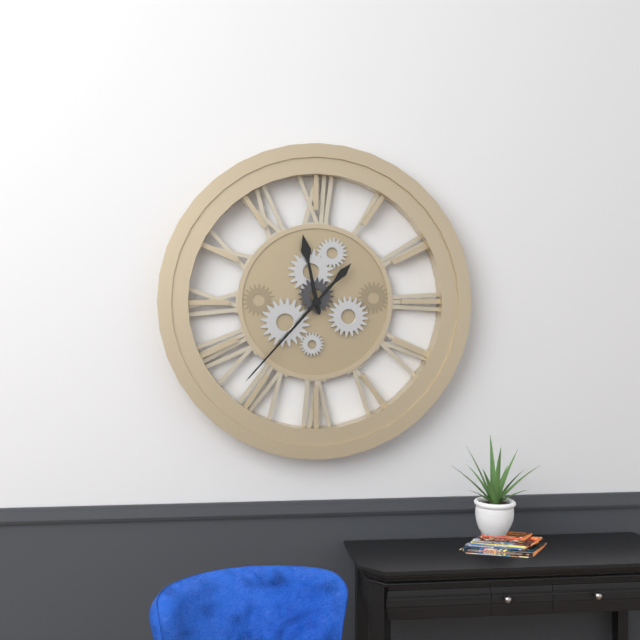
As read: 11:37
